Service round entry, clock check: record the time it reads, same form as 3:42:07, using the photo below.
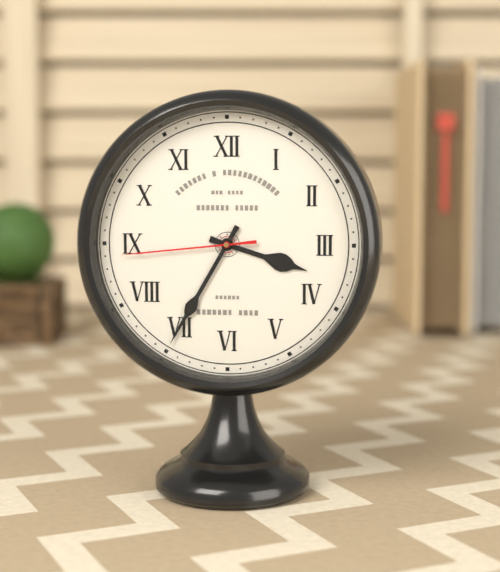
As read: 3:35:44
